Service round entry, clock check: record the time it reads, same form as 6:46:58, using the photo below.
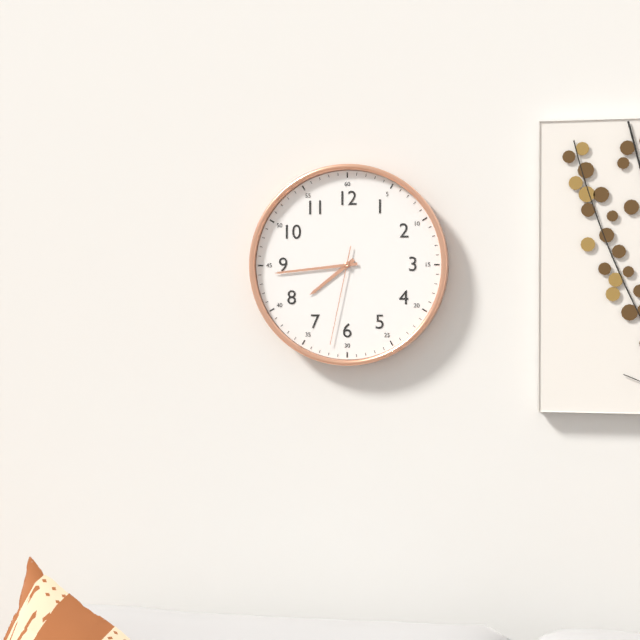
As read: 7:44:32
